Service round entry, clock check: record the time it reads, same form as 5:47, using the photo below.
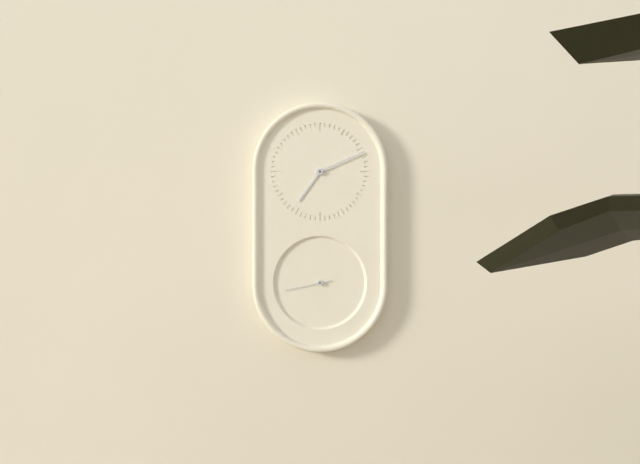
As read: 7:11
